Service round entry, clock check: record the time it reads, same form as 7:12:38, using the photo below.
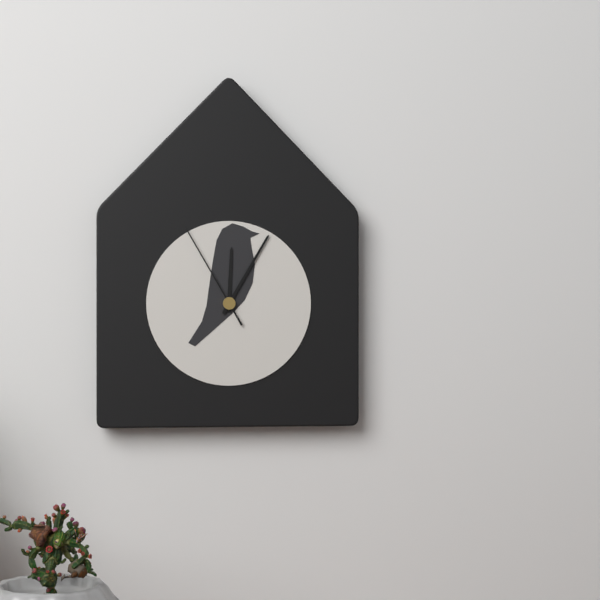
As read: 12:05:55
